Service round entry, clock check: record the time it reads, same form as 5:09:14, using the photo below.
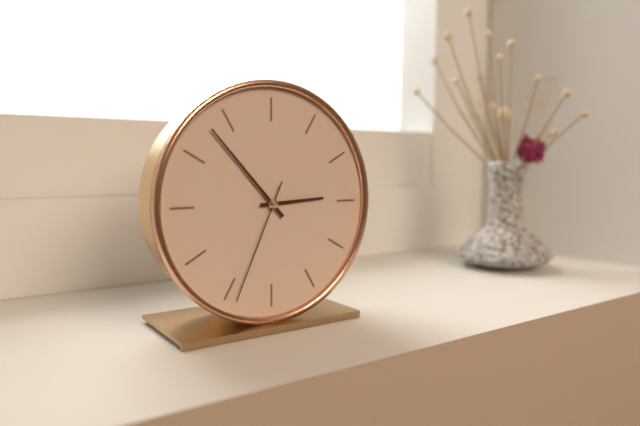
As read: 2:53:34
